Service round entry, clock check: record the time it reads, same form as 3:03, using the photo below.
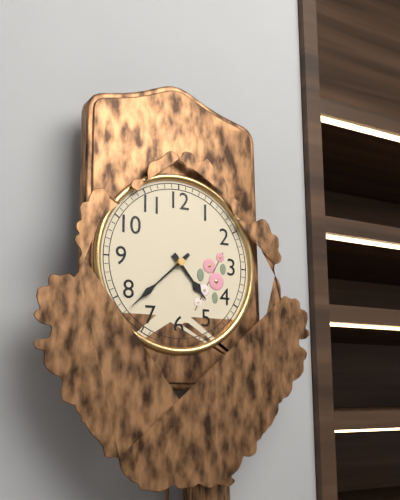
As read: 4:38
